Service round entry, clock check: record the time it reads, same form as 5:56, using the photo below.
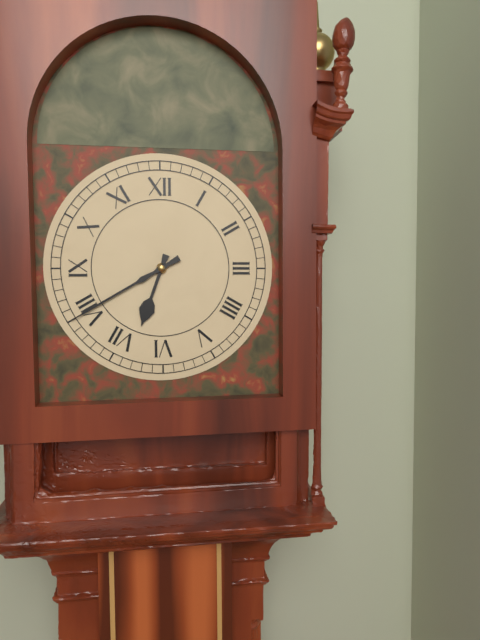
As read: 6:40
